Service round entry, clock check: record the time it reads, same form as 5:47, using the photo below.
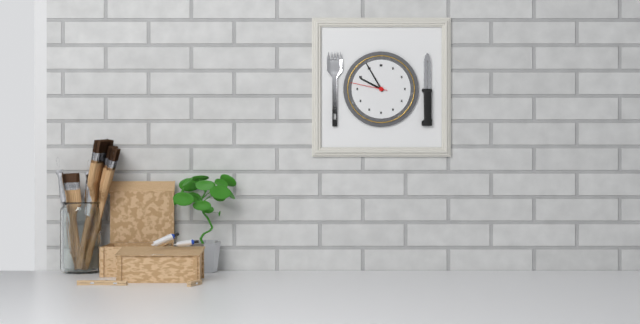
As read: 9:55
